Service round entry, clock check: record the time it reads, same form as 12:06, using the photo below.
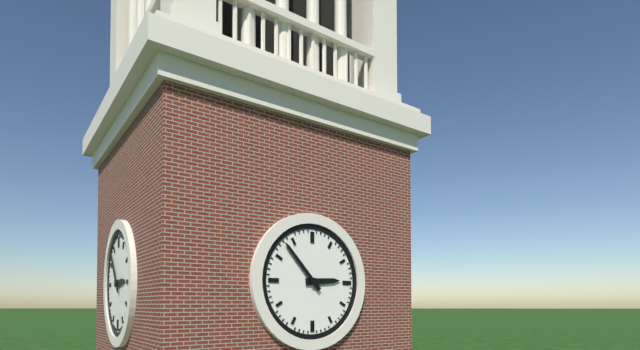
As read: 2:53
